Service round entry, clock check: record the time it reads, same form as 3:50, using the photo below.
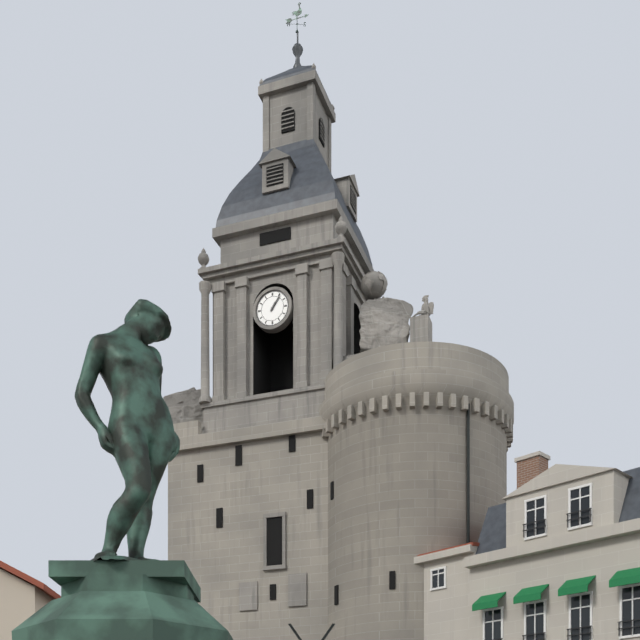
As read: 1:06
